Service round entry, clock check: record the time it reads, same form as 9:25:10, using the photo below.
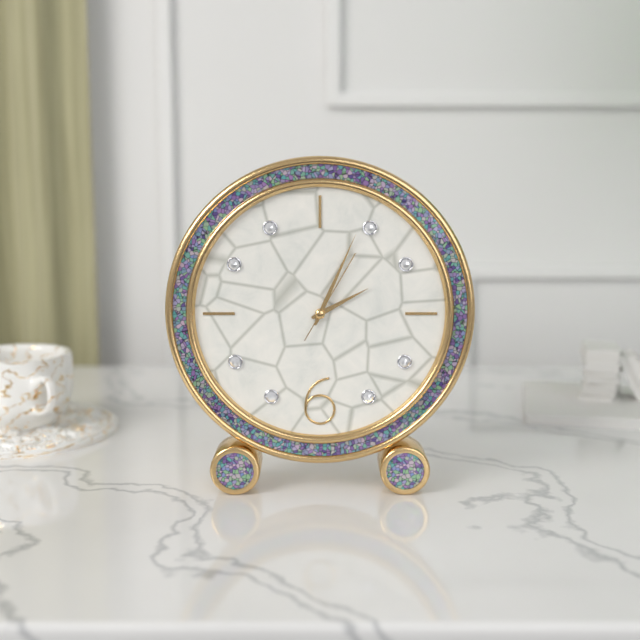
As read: 2:04:05
